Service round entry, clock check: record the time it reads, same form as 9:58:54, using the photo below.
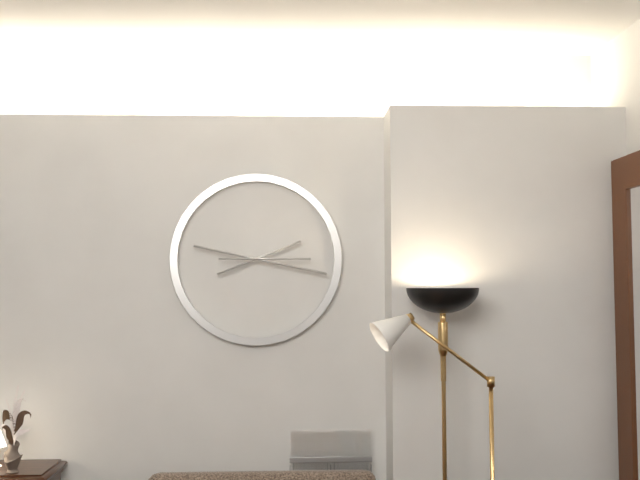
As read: 2:17:15
